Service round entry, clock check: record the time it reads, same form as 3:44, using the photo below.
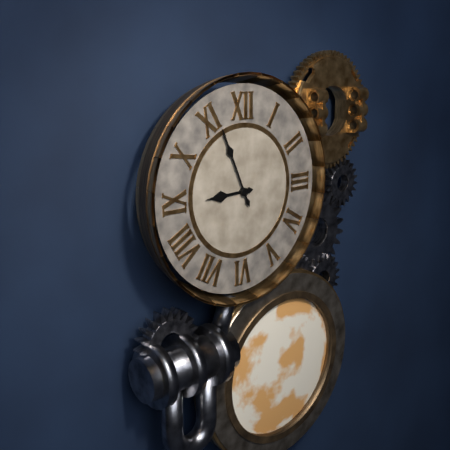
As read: 8:56
